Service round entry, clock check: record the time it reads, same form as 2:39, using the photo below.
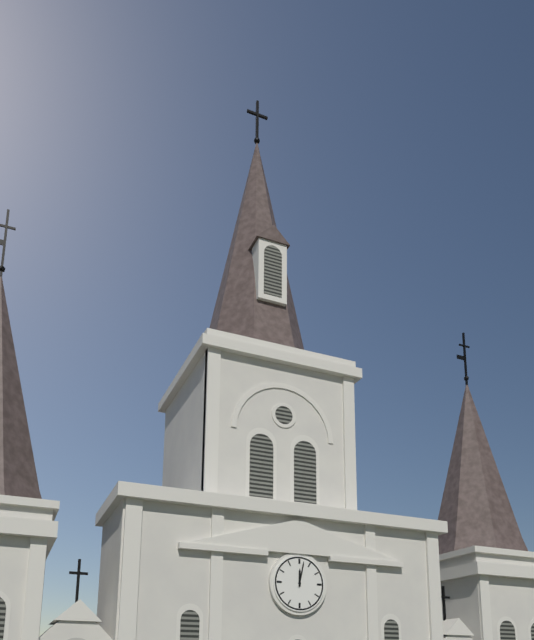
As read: 12:02
